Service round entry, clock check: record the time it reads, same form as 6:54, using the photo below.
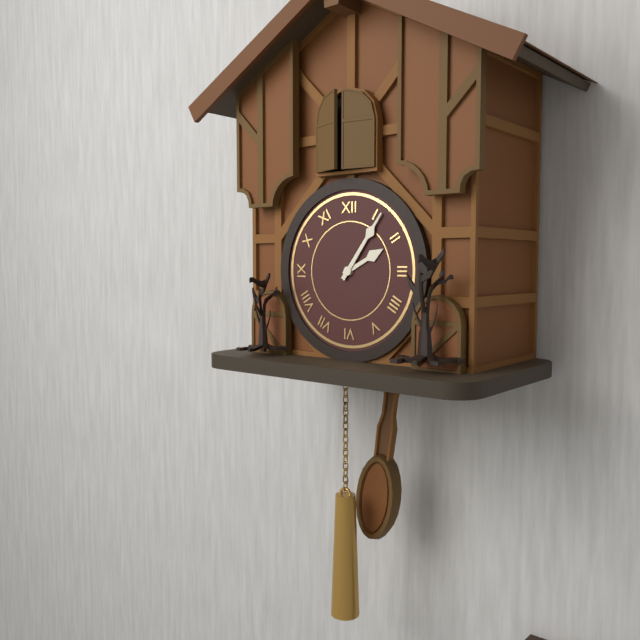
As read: 2:06
